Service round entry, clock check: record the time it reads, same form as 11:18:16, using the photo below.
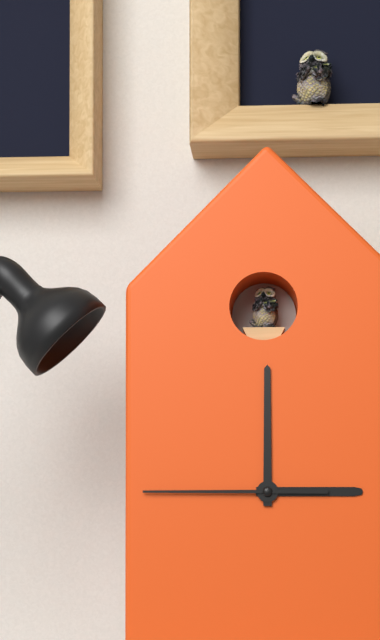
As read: 3:00:45
